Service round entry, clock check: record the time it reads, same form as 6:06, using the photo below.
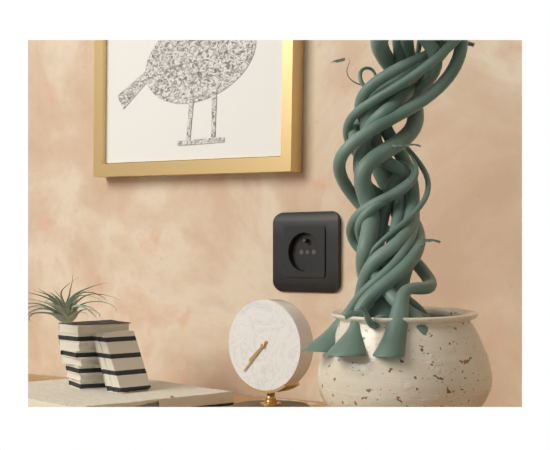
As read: 7:37
